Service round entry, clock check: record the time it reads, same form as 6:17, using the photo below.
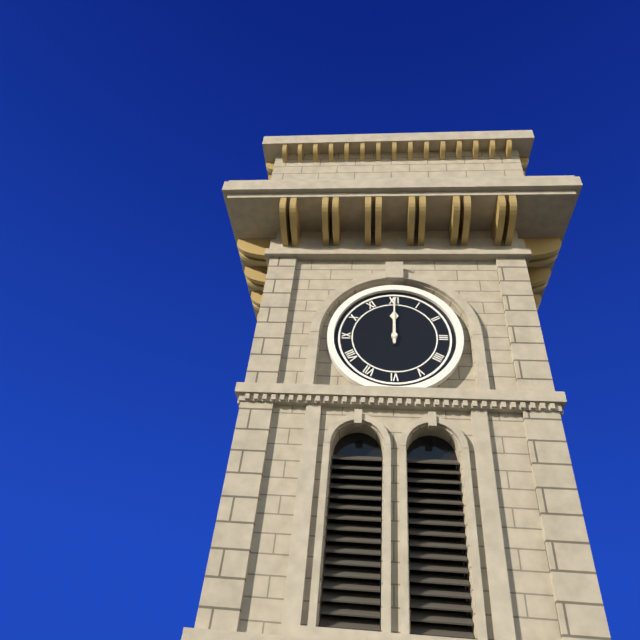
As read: 12:00
